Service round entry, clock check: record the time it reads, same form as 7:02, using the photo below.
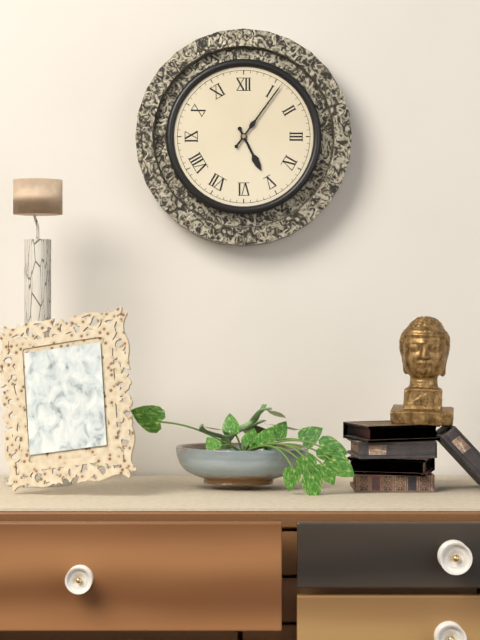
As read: 5:06
